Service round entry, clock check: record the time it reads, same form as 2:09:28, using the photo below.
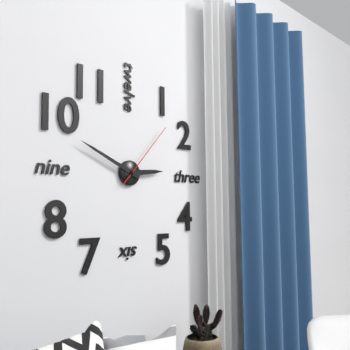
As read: 2:49:07
